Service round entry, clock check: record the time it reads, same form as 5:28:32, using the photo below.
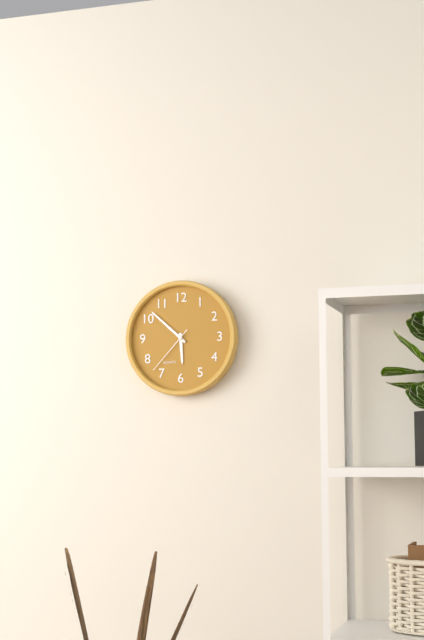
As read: 5:52:37
